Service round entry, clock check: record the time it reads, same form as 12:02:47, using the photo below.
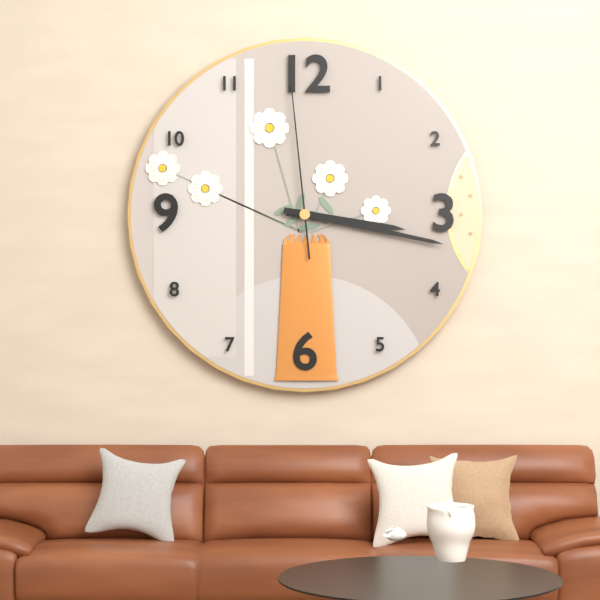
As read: 3:17:59
